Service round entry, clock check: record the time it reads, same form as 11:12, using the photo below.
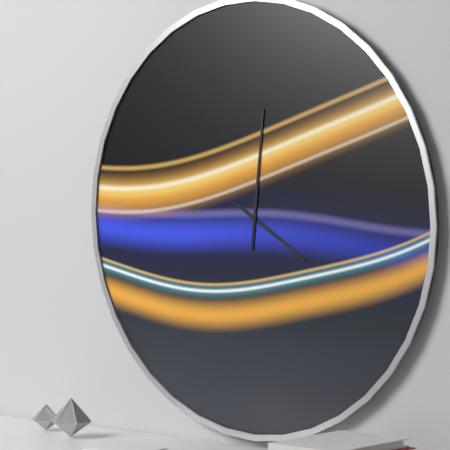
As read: 4:01
